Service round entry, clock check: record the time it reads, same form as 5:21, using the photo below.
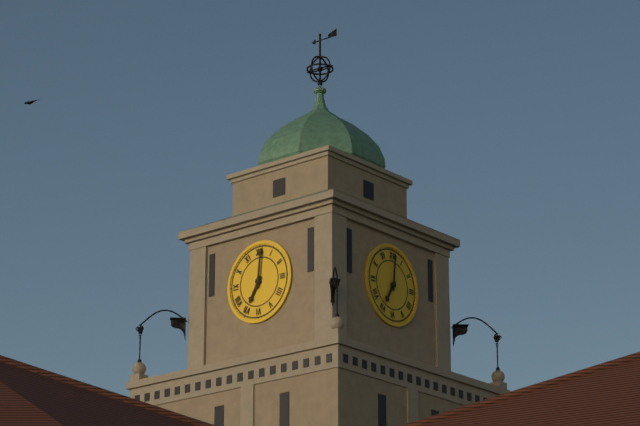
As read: 7:01
